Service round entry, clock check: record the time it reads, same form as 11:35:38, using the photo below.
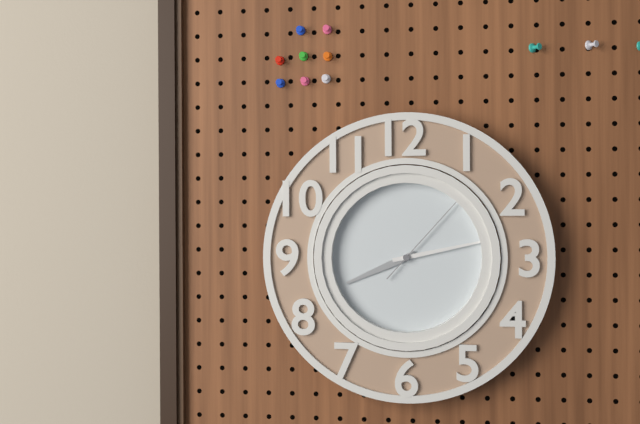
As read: 8:13:07
